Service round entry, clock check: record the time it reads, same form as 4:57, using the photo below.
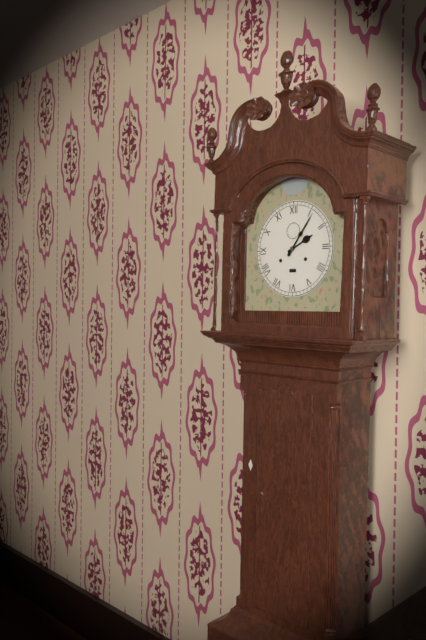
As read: 2:06
